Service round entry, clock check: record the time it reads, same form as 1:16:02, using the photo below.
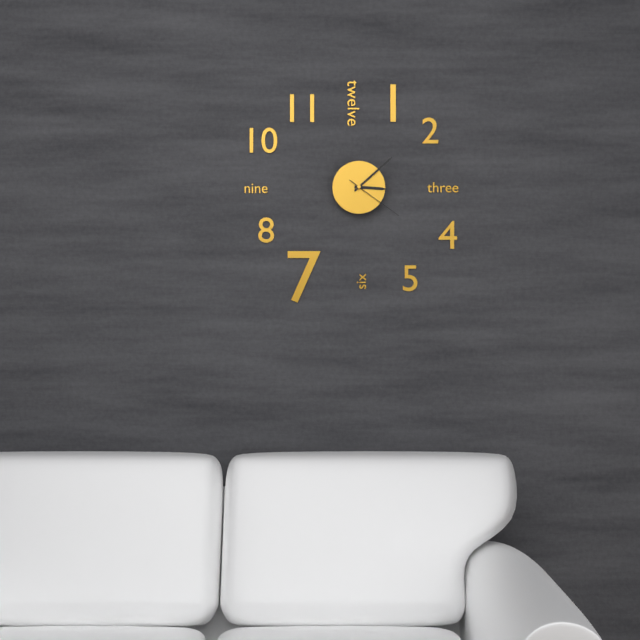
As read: 3:08:21
